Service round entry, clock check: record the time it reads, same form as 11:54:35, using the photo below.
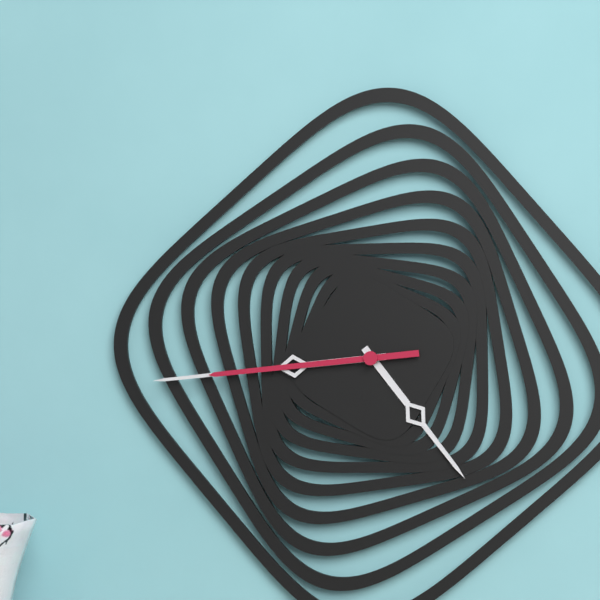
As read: 4:44:44
